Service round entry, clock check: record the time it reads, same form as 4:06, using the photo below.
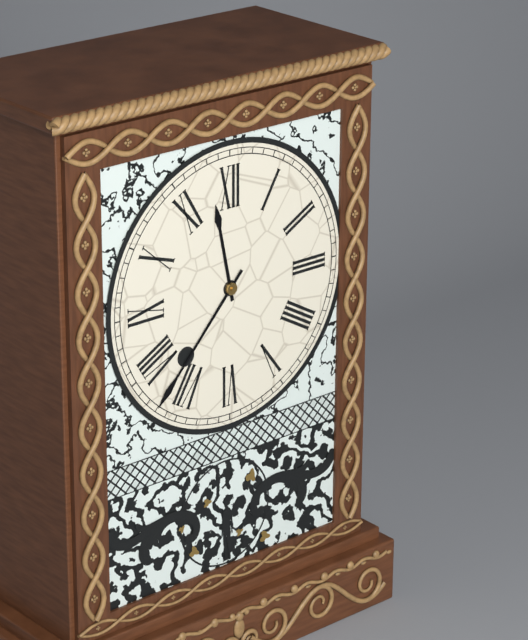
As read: 11:37
